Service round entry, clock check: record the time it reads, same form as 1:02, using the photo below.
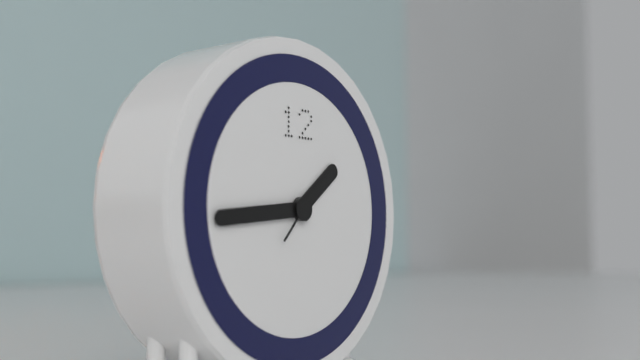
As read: 1:44
